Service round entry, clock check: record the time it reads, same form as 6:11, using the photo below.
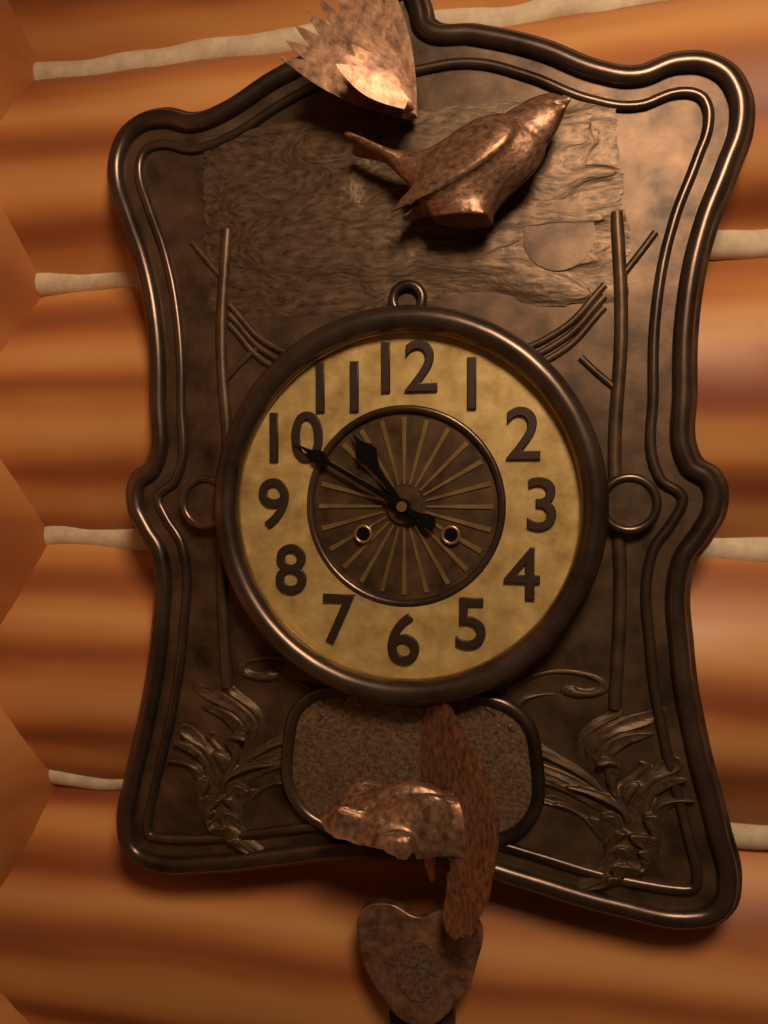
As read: 10:50
